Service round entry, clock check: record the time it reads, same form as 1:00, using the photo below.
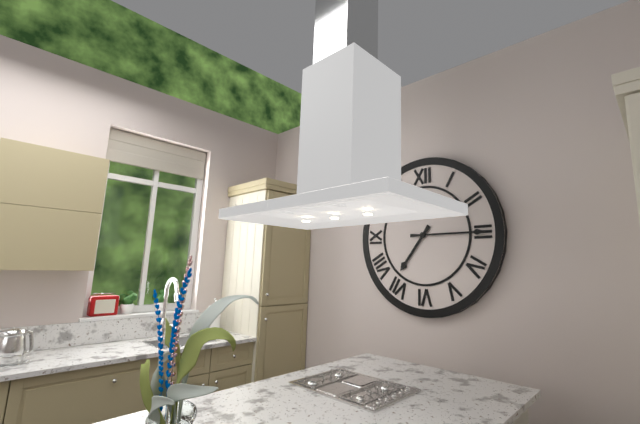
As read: 7:15
